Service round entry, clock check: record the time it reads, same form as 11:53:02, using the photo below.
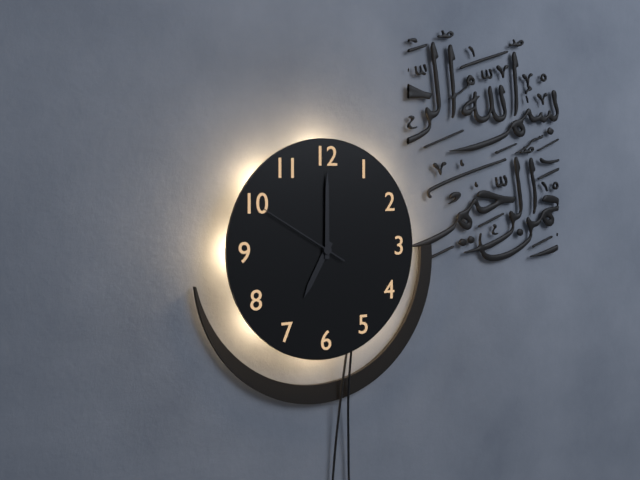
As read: 7:00:50
